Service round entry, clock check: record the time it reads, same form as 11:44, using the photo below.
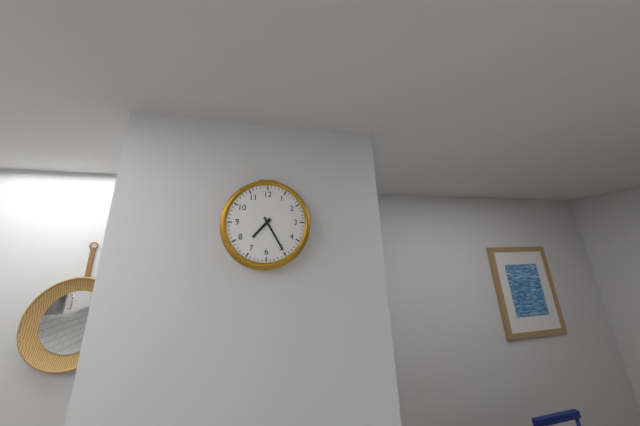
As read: 7:25
